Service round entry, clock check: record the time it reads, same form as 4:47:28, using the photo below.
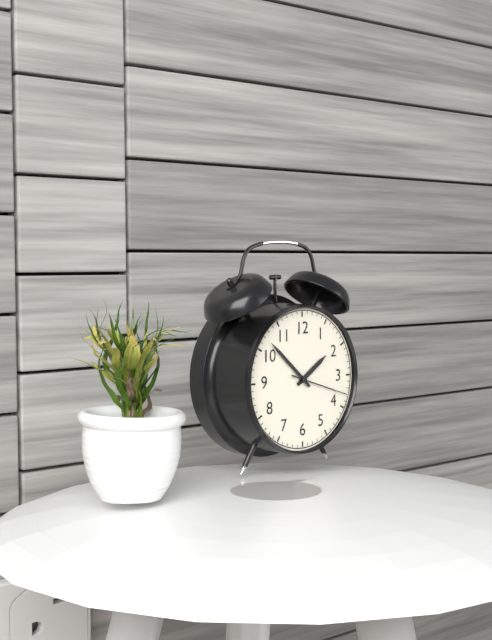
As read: 1:52:18
